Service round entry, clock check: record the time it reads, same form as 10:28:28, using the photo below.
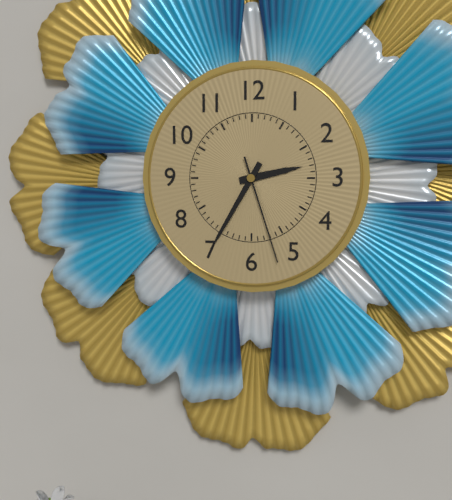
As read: 2:35:27
